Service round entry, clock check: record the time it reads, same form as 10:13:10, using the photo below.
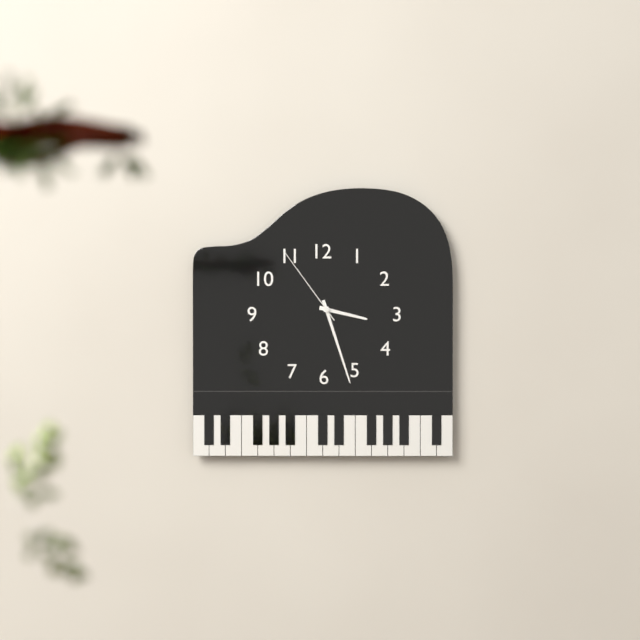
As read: 3:27:54
